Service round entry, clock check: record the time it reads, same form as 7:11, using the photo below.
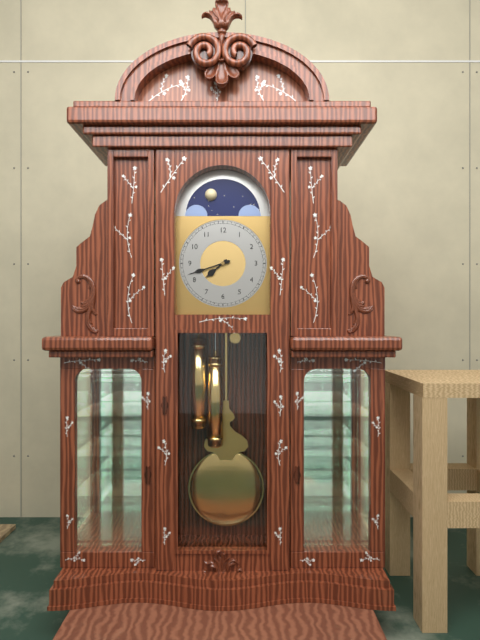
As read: 7:42
